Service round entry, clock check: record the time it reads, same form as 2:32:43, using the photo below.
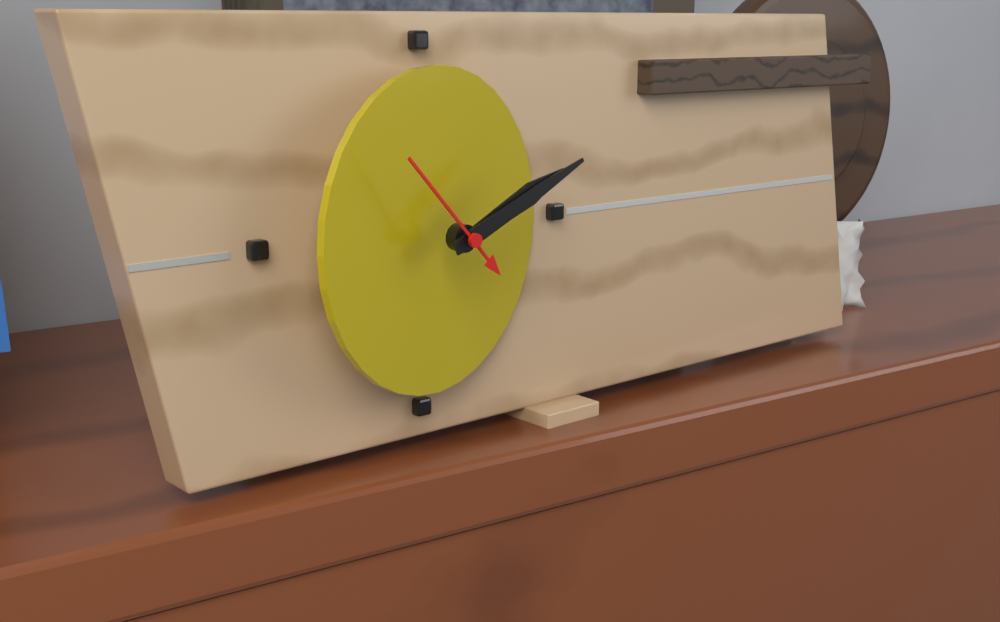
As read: 2:11:53
